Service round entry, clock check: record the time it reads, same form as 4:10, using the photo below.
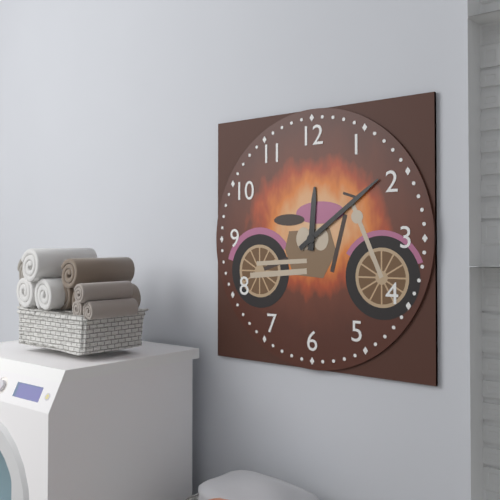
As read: 12:09
